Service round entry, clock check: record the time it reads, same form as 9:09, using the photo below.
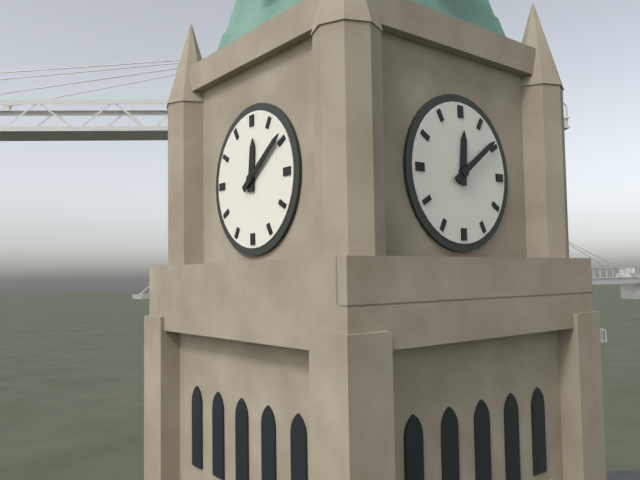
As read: 12:09
